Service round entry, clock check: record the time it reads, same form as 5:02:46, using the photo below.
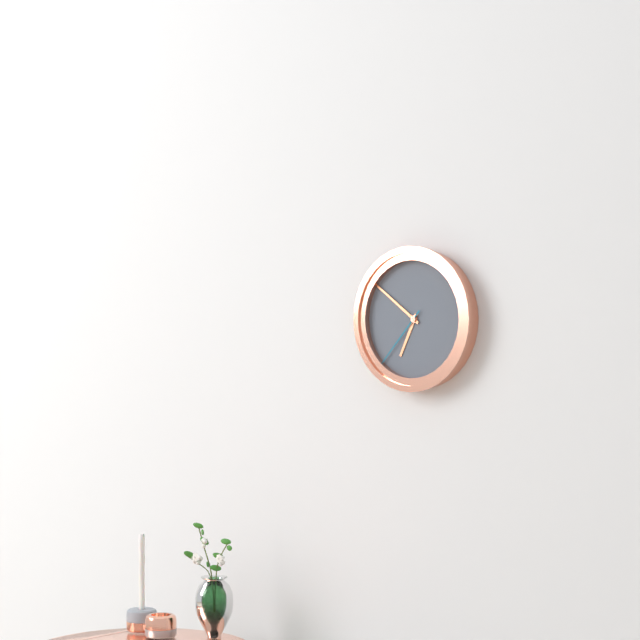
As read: 6:51:37
